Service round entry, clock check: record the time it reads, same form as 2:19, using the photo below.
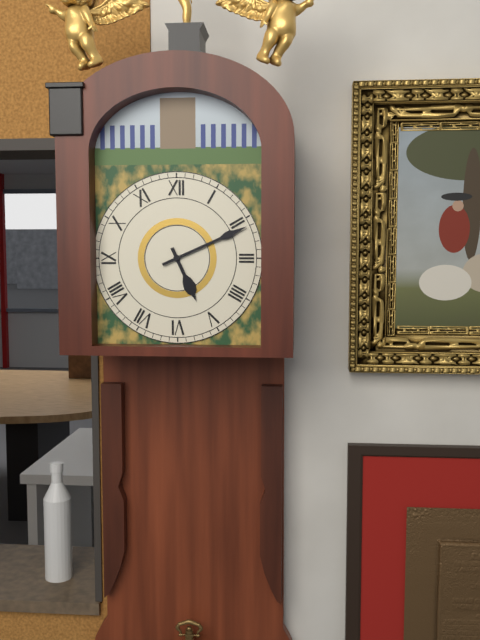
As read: 5:11
